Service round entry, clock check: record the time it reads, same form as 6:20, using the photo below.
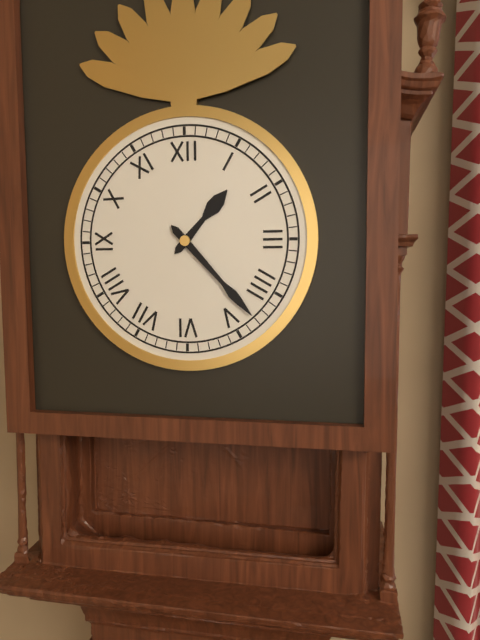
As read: 1:23
